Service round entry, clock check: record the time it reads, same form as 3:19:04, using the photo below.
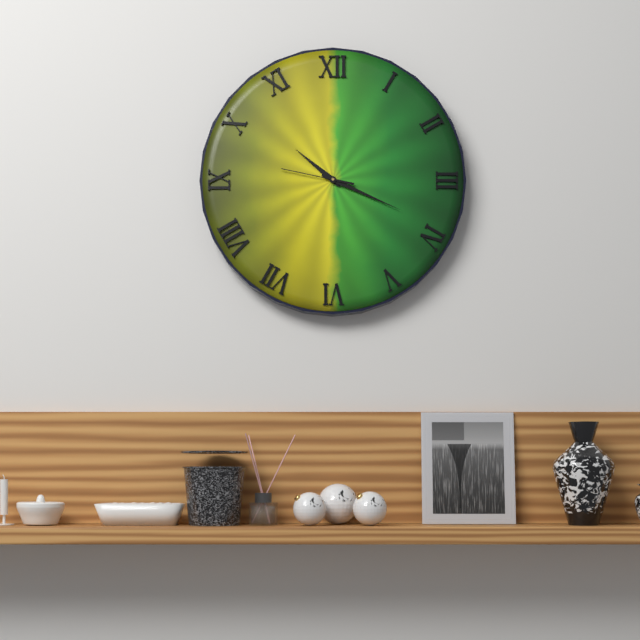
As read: 10:19:47
